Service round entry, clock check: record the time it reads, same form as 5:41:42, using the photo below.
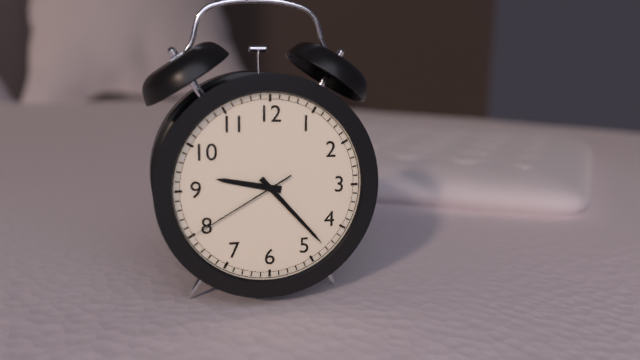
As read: 9:23:40
